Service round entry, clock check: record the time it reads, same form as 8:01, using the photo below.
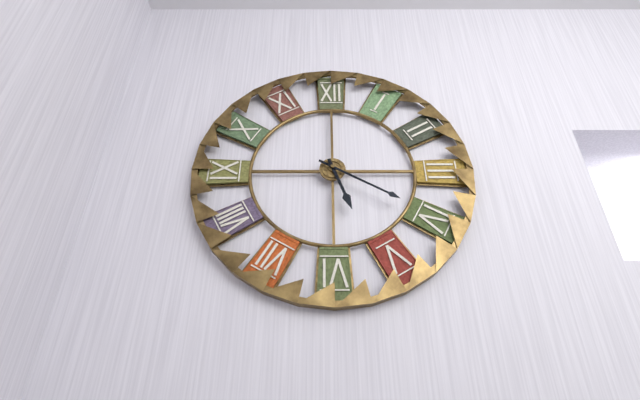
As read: 5:20
